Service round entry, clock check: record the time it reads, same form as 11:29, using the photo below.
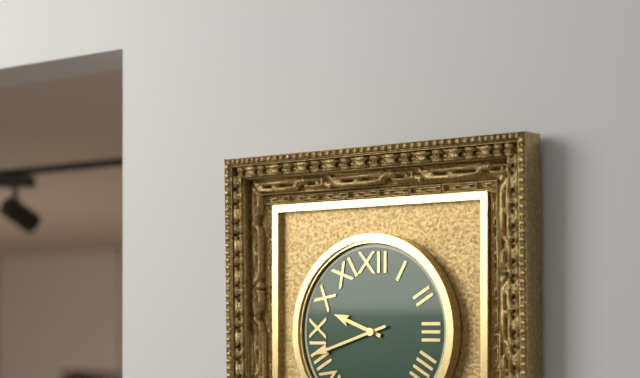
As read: 9:42
